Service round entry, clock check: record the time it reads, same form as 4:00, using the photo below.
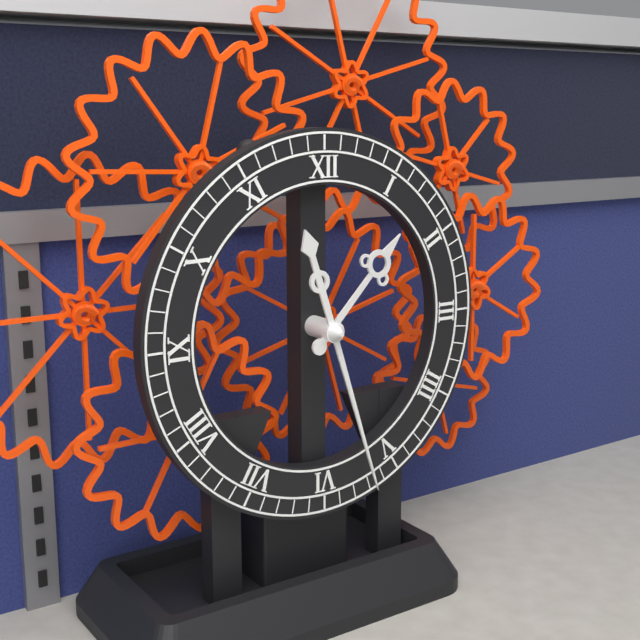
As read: 1:27
